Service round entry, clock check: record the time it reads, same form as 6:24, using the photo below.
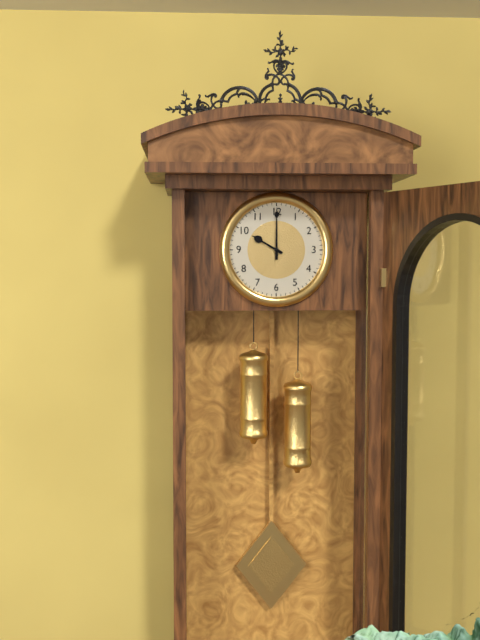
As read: 10:00
